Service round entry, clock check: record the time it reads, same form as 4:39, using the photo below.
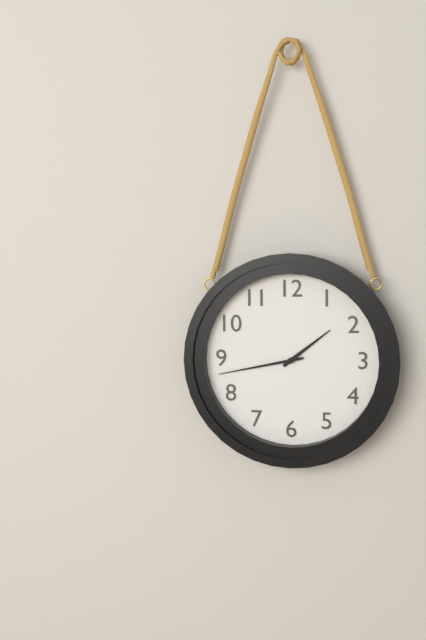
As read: 1:43
